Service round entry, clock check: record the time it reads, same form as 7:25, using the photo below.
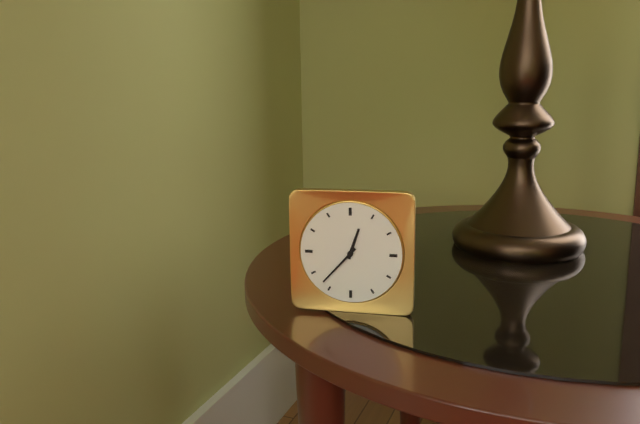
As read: 12:37
